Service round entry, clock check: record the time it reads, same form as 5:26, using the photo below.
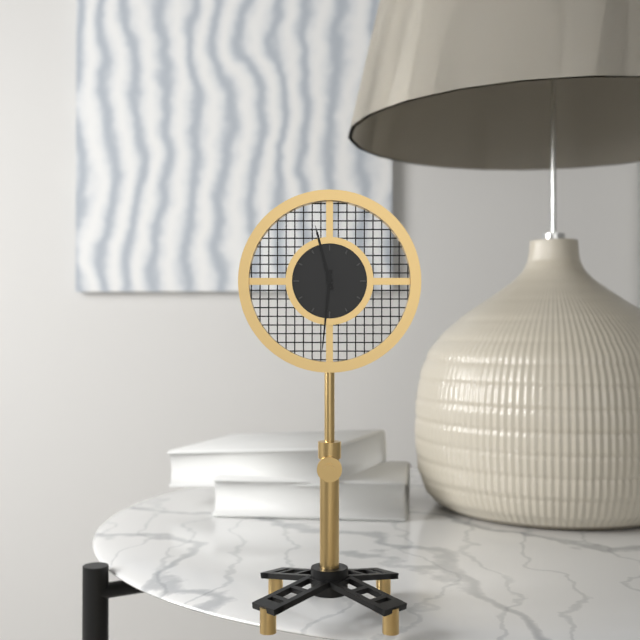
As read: 11:31
